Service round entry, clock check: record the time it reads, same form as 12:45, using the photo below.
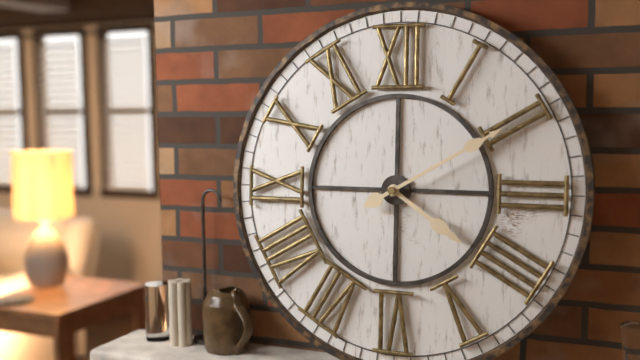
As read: 4:10
